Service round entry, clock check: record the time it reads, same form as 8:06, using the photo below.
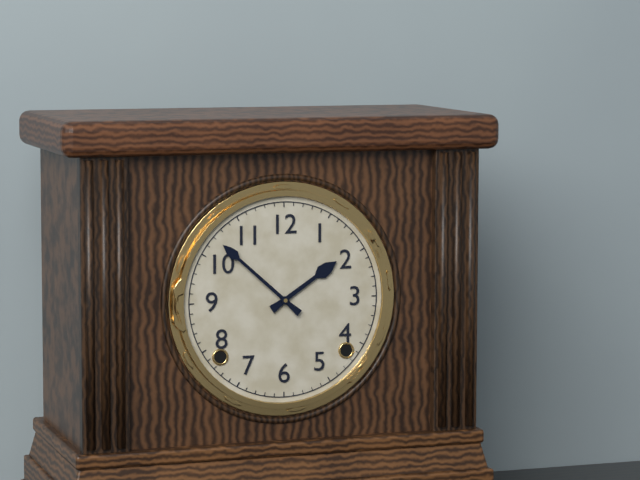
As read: 1:52
